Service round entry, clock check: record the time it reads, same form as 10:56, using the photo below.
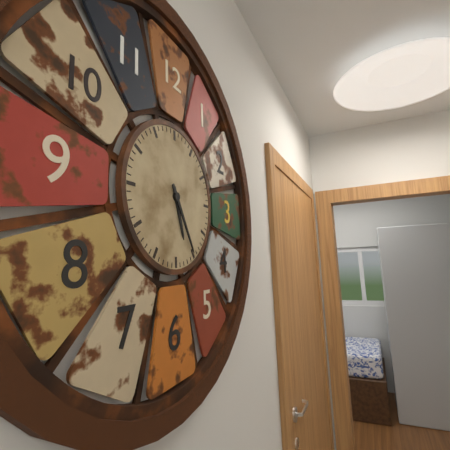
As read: 5:25
